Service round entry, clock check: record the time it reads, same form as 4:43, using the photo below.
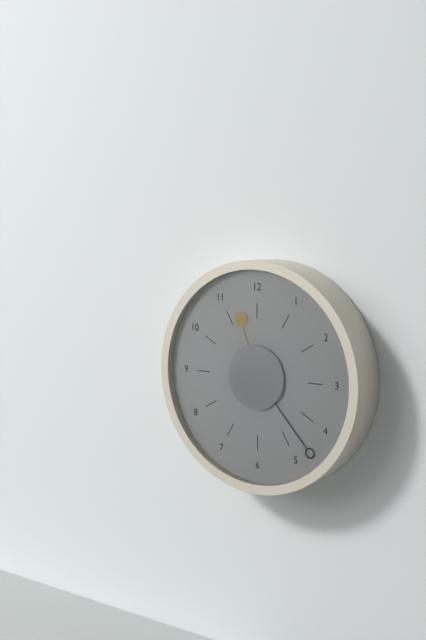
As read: 11:23
